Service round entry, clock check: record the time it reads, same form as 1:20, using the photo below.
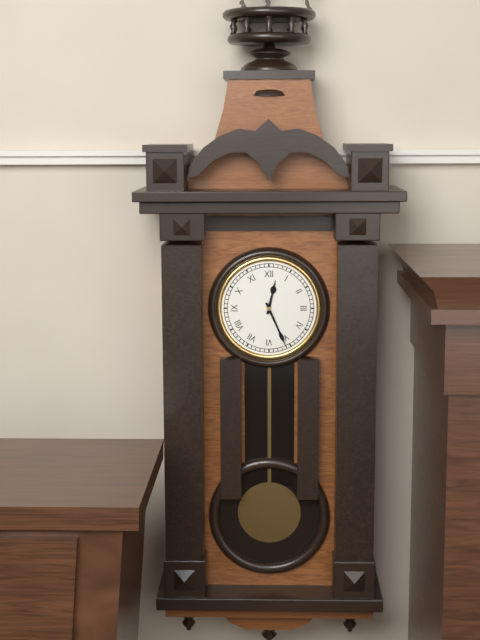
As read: 12:26
